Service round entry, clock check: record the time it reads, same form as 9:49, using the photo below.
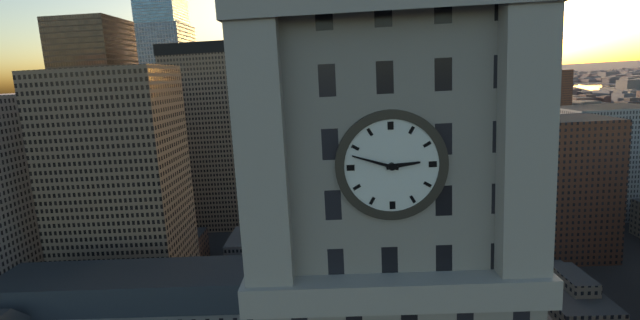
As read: 2:48
